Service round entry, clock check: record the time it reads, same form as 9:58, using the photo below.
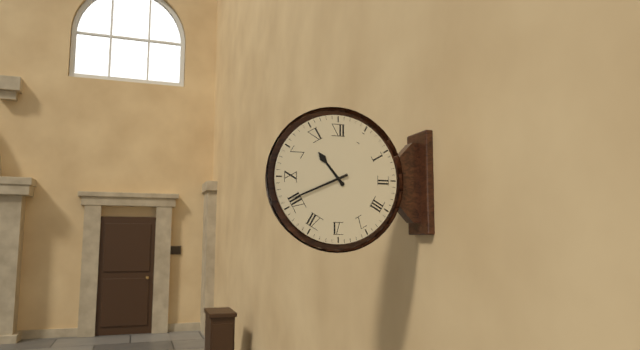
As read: 10:41
